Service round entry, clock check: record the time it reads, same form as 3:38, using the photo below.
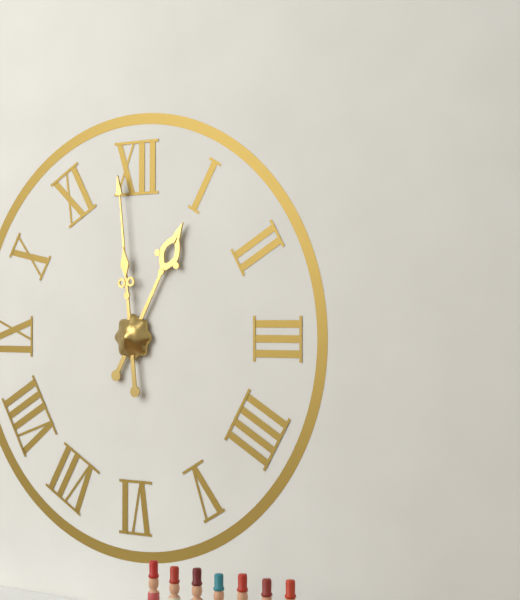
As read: 12:59
